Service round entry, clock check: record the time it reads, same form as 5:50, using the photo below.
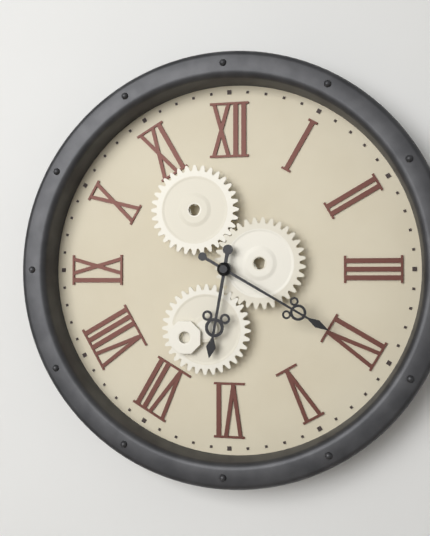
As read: 6:20
